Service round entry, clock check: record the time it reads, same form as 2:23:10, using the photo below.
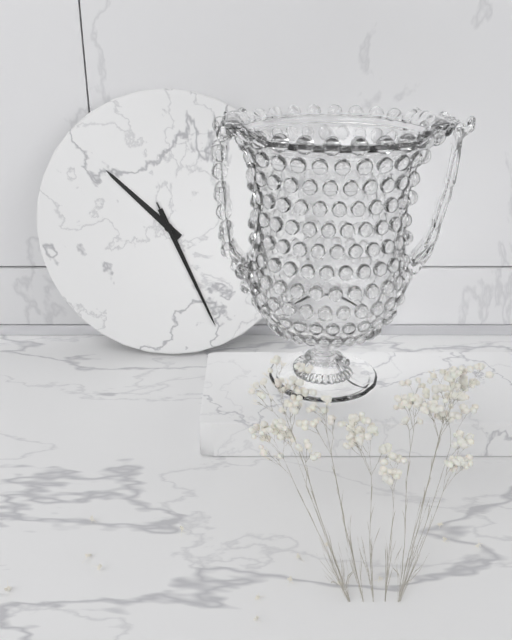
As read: 10:26:26
